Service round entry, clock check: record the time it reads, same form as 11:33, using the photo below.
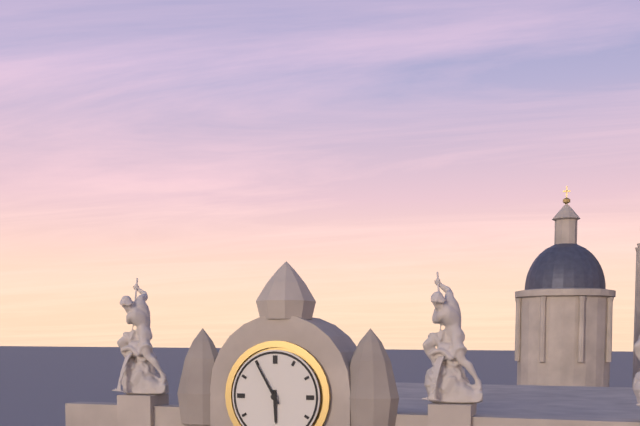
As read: 5:55
